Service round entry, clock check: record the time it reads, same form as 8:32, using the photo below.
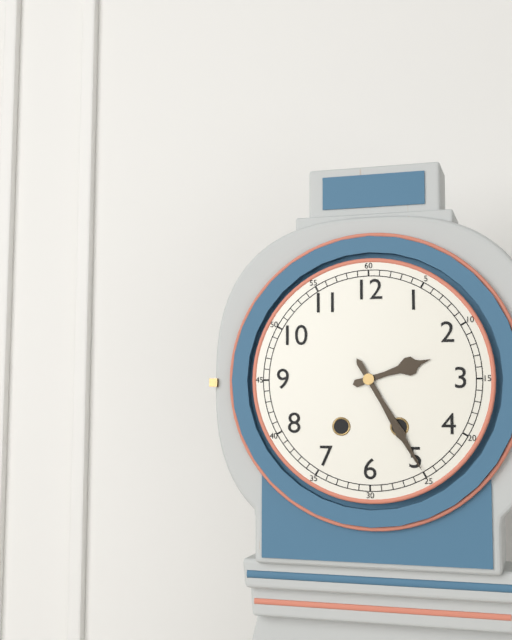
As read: 2:25
